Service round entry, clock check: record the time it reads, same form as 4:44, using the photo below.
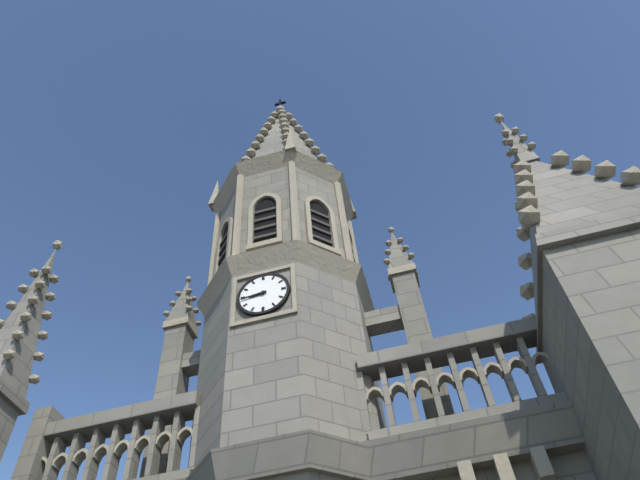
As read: 8:44
